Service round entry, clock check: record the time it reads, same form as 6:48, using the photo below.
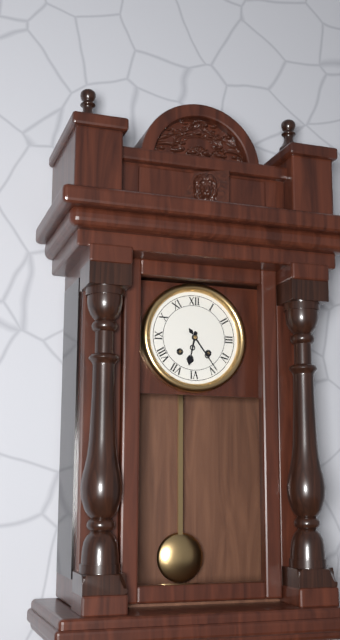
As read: 6:24
